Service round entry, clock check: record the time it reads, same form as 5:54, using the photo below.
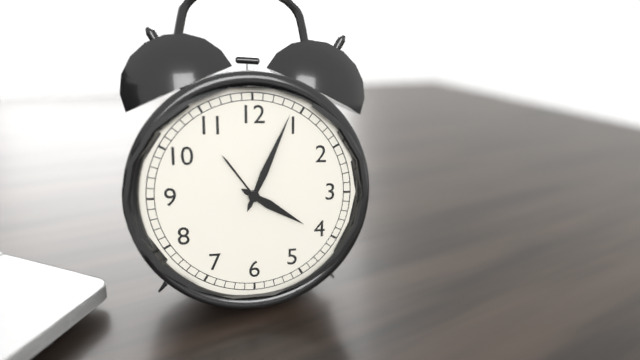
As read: 4:04
